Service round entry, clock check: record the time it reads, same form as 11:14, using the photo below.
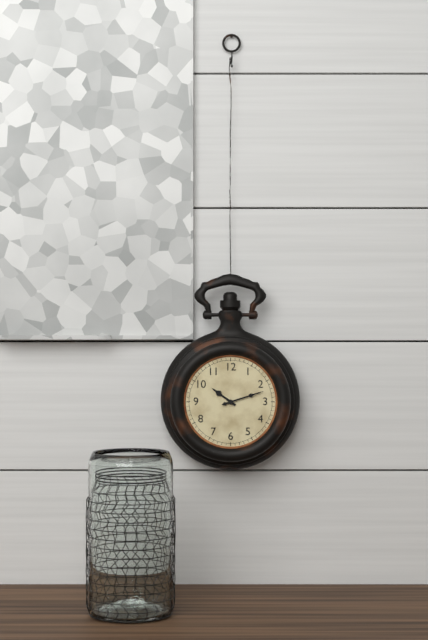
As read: 10:12
